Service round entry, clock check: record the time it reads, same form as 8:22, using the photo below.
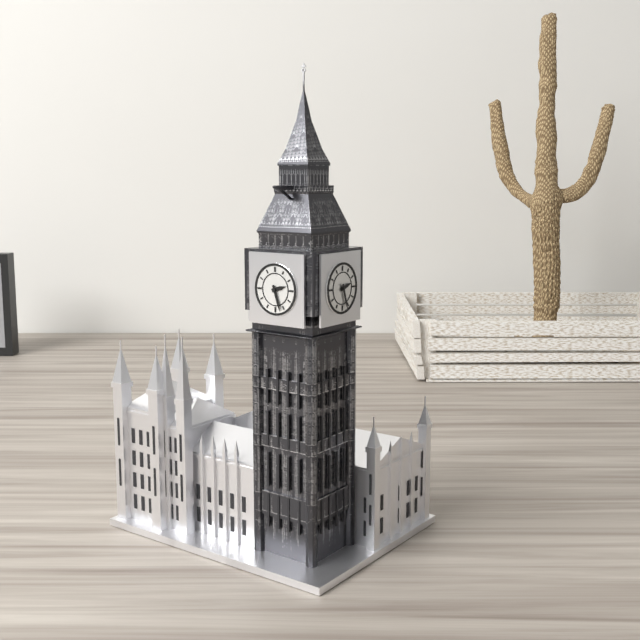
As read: 2:27
